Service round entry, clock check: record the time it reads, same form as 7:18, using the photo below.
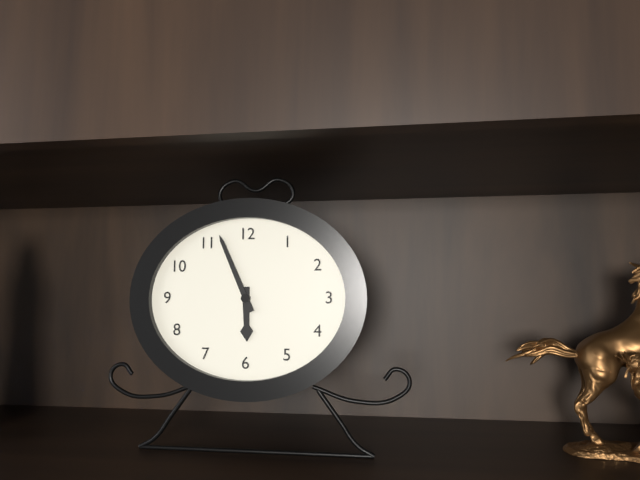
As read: 5:56
